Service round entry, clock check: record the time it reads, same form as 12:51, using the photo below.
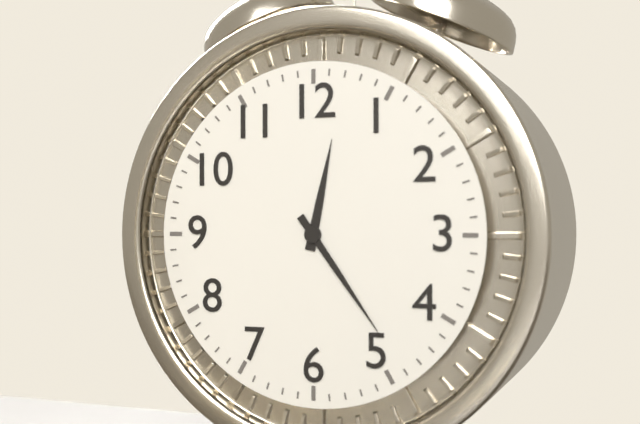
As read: 12:24
